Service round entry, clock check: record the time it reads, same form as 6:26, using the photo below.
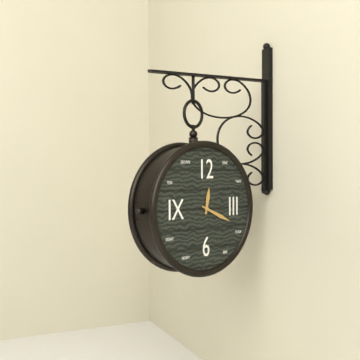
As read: 12:19
